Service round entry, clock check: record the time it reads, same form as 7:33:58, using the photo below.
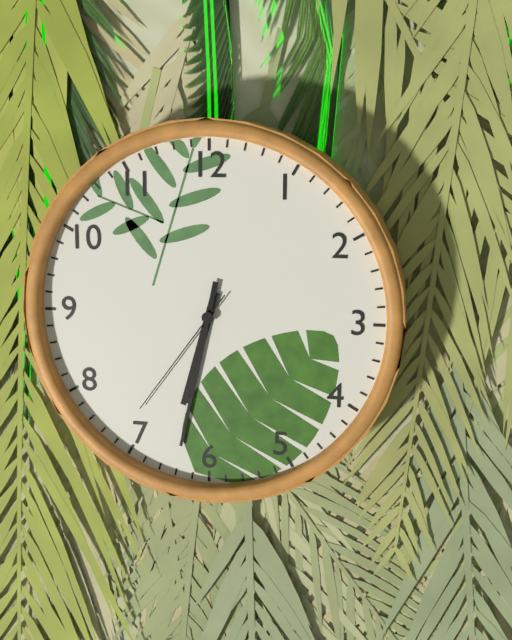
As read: 6:32:36
